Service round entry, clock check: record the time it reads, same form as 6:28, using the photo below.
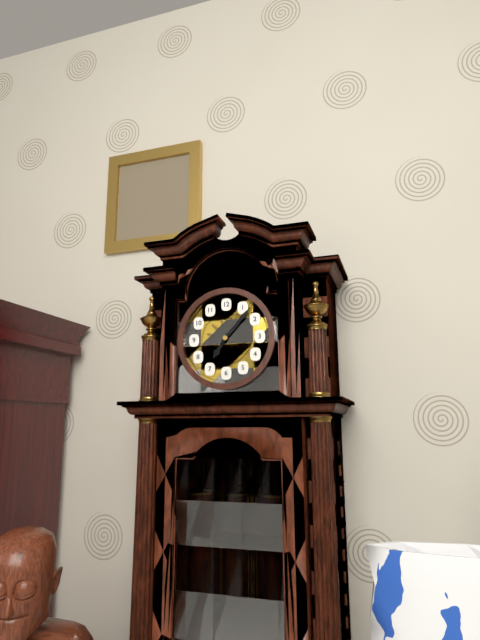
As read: 7:07
